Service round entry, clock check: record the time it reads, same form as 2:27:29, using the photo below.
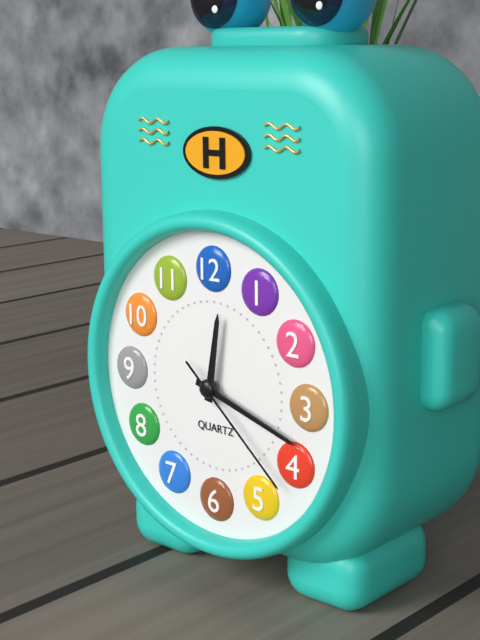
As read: 12:18:22
